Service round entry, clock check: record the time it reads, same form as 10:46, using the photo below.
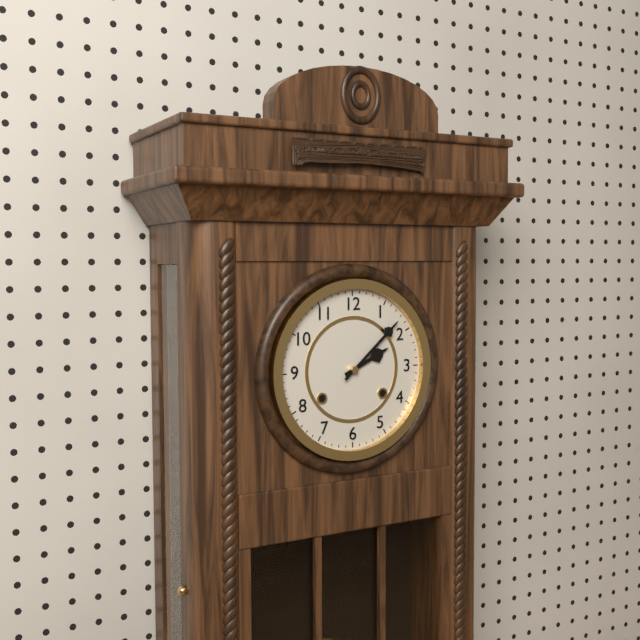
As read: 2:08
